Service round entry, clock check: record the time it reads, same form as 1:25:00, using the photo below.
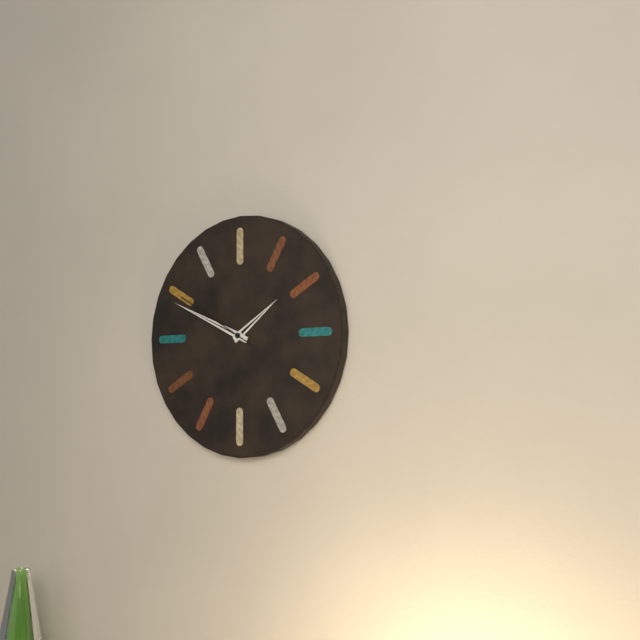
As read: 1:49:50
